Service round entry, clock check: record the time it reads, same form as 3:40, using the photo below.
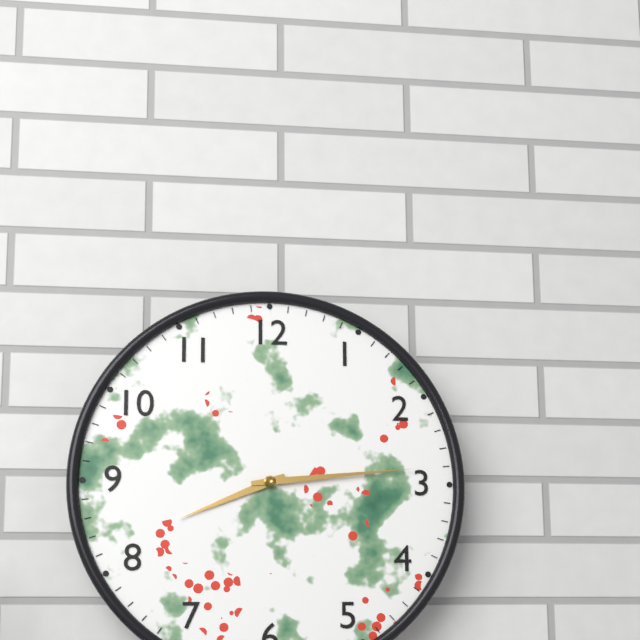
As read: 8:14
